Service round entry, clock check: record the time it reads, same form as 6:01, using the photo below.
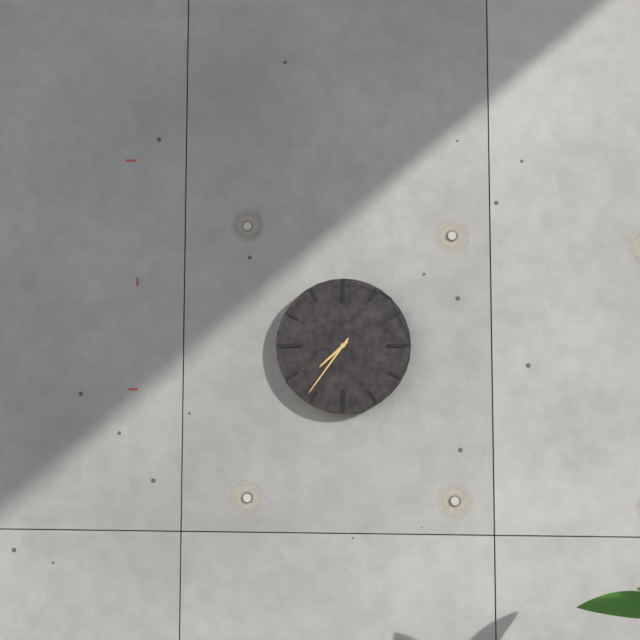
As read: 7:36
